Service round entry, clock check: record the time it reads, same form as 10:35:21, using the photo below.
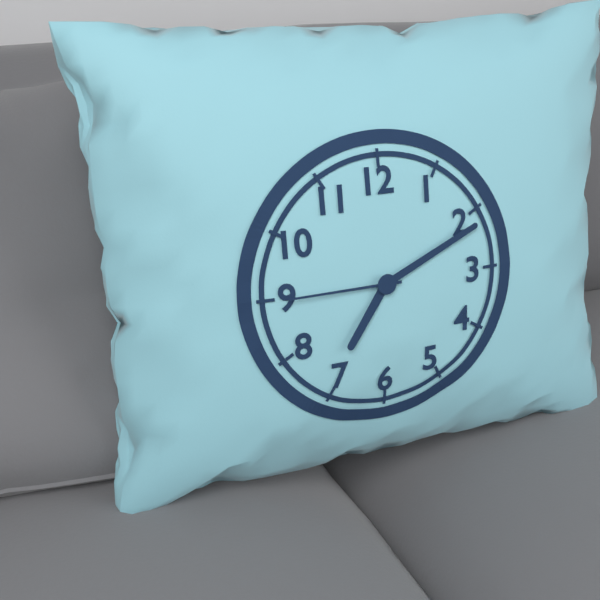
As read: 7:11:45
